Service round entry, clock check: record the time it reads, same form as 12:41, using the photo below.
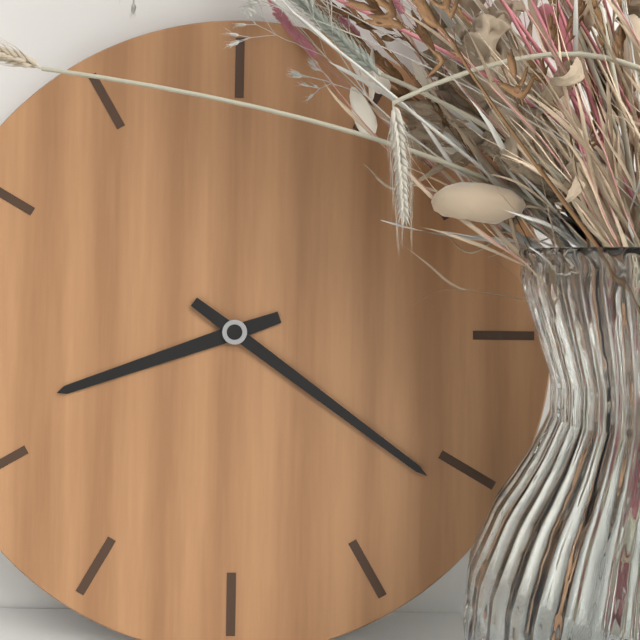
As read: 8:21
